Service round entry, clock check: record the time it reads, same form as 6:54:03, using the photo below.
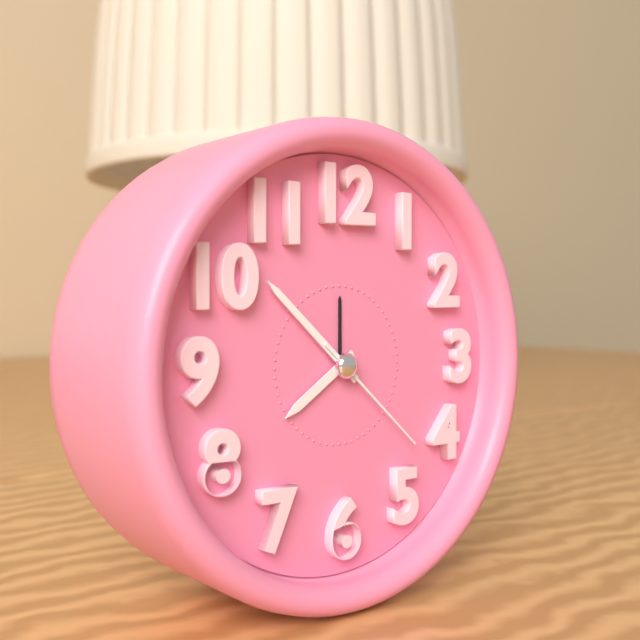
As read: 7:52:22
